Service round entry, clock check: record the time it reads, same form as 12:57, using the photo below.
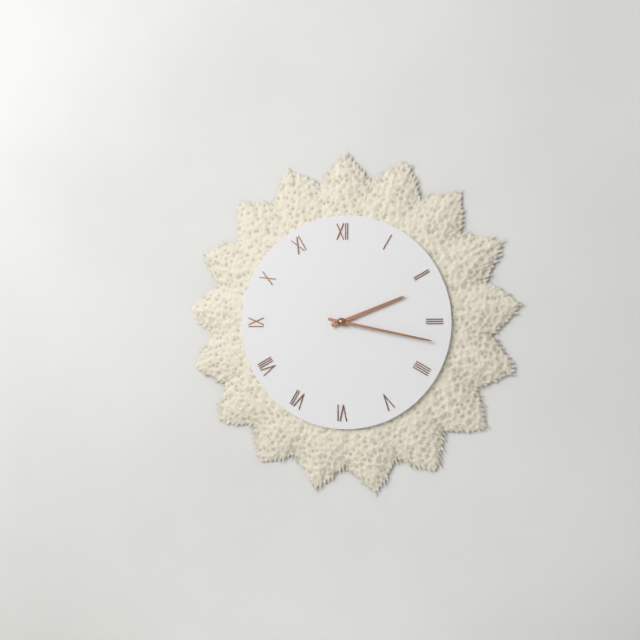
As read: 2:17
